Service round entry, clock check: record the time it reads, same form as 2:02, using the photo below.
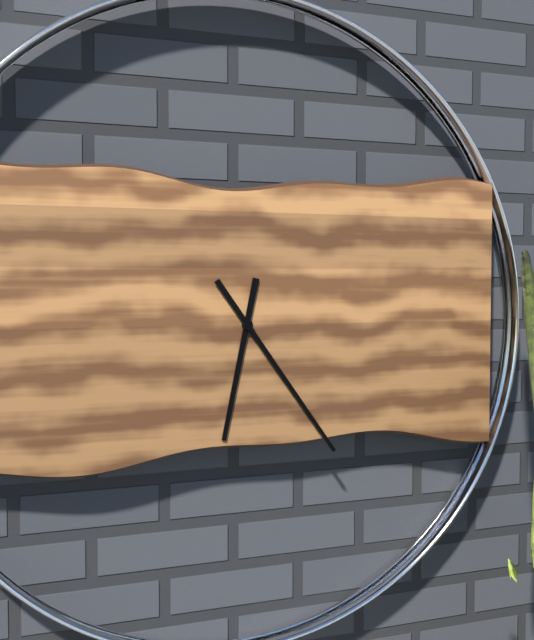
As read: 6:24
